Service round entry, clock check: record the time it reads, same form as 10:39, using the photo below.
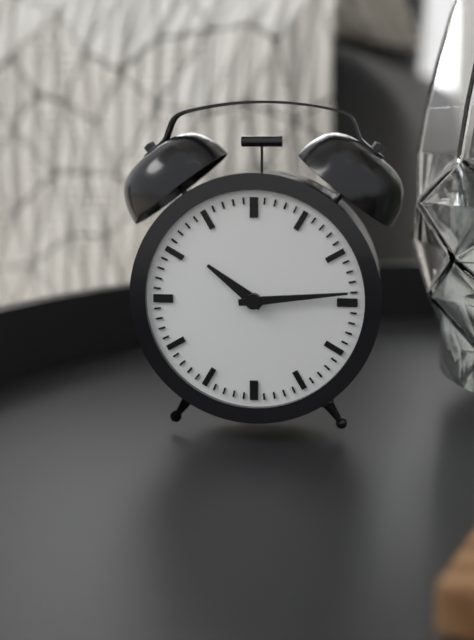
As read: 10:14
